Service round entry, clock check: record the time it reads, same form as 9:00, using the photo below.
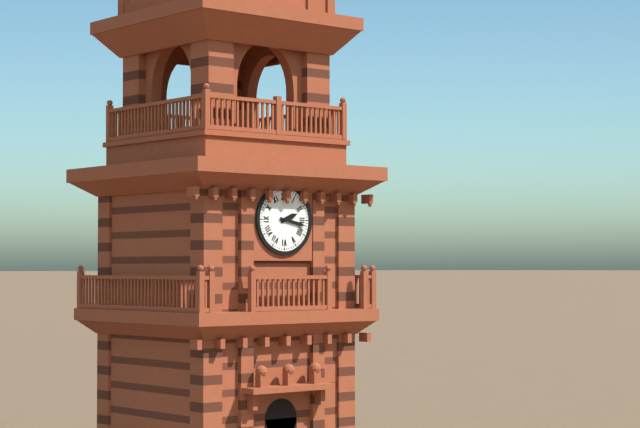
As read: 2:17
